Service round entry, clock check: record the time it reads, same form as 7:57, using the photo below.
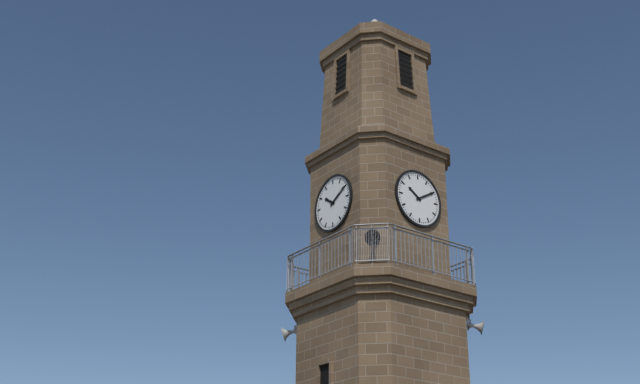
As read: 10:10
